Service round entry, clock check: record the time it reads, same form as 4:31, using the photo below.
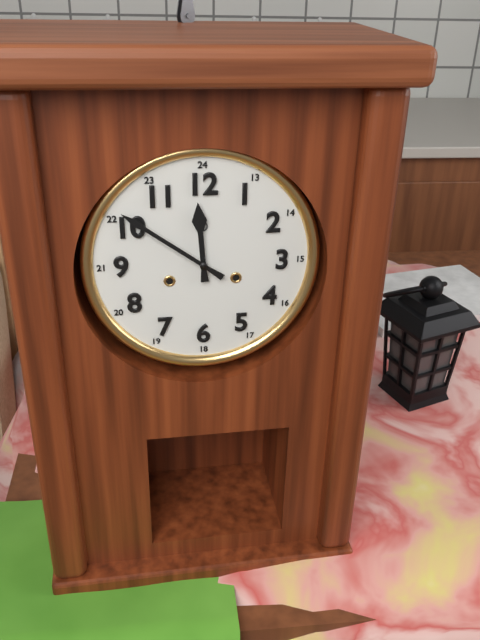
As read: 11:51
